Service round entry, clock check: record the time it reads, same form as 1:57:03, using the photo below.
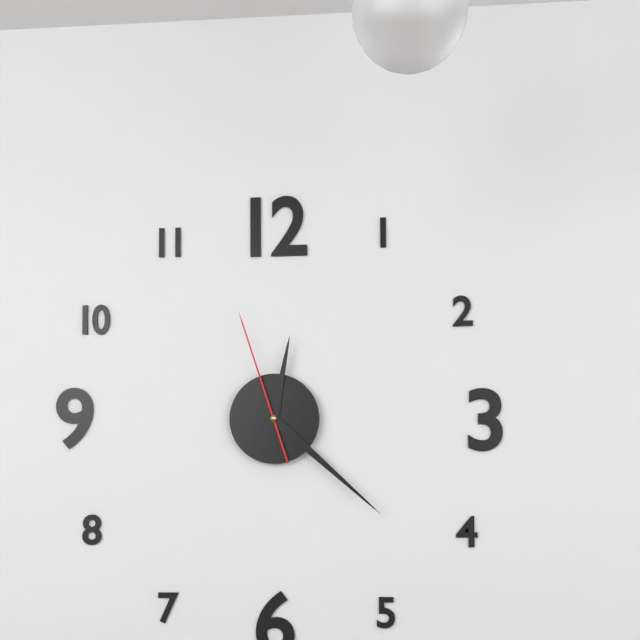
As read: 12:22:57
